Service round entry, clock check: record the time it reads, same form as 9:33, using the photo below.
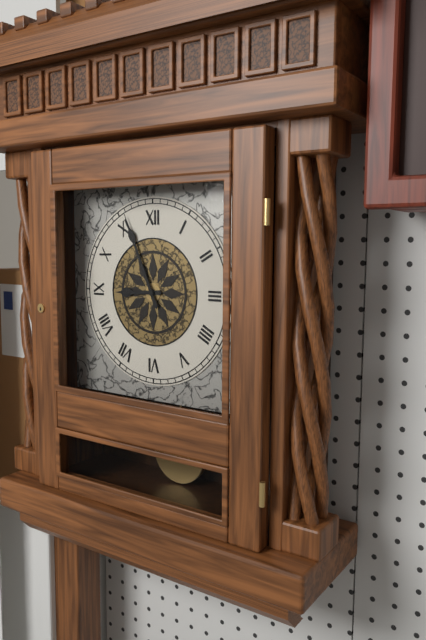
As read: 8:56
